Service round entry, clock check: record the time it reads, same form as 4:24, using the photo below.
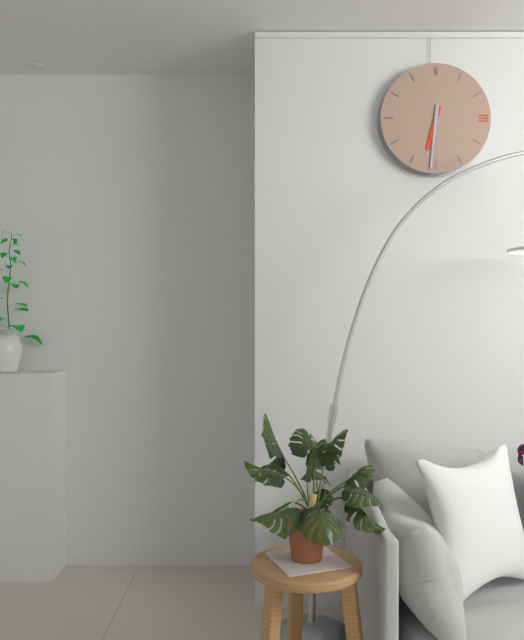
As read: 6:31
